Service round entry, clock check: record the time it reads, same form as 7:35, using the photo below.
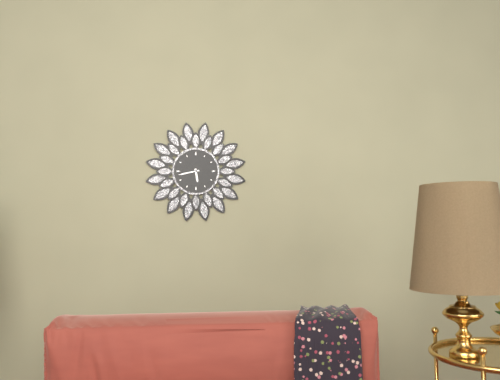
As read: 5:43
